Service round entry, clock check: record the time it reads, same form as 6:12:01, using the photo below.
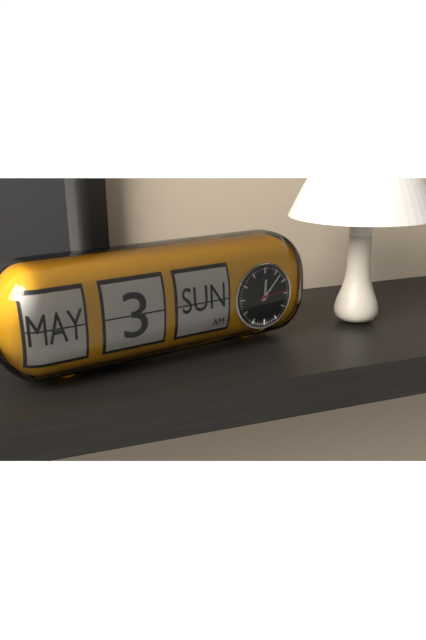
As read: 12:07:14
